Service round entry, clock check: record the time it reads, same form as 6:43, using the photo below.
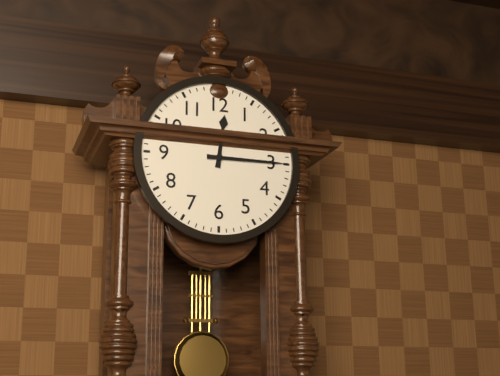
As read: 12:15
